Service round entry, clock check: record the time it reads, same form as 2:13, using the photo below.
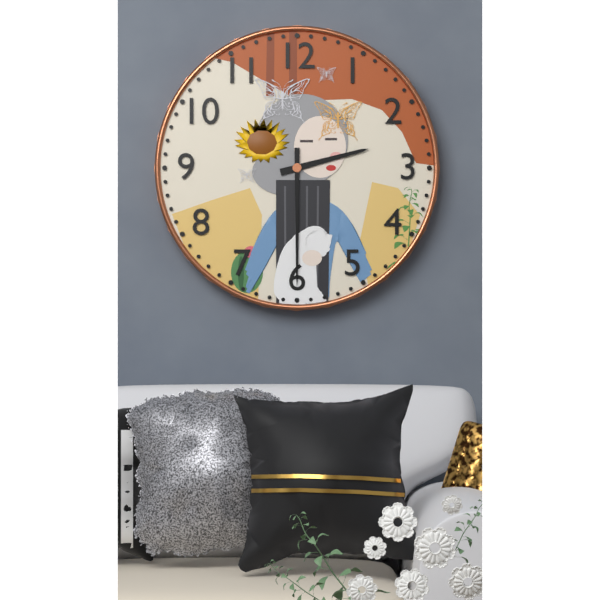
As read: 2:30
